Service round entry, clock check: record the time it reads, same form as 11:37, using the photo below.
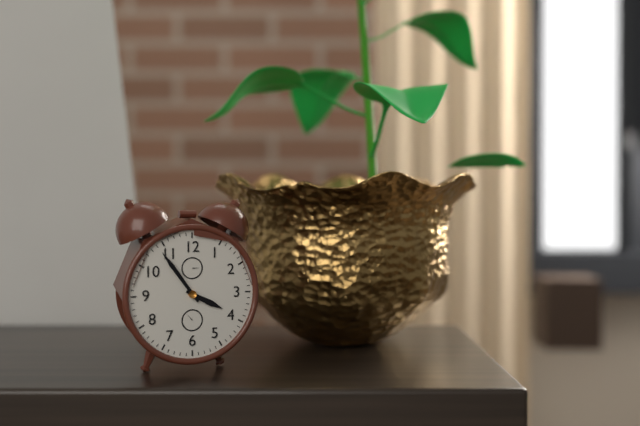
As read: 3:54
